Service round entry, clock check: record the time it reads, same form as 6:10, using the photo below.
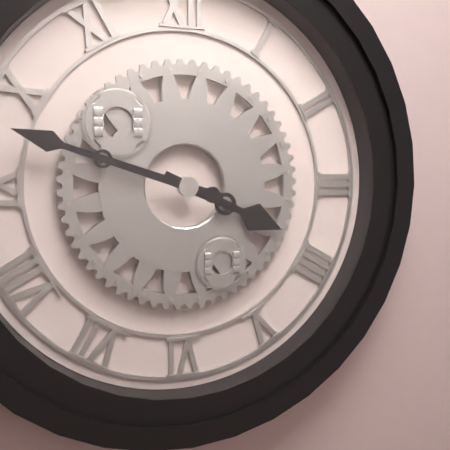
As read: 3:48
